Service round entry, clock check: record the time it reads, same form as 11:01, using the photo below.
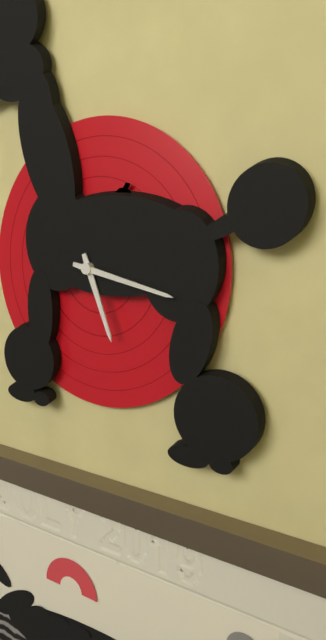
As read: 5:17
